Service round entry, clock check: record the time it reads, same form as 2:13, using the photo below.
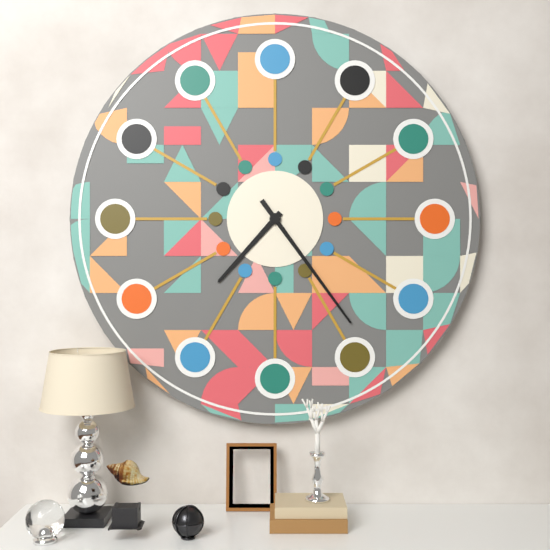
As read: 7:24
